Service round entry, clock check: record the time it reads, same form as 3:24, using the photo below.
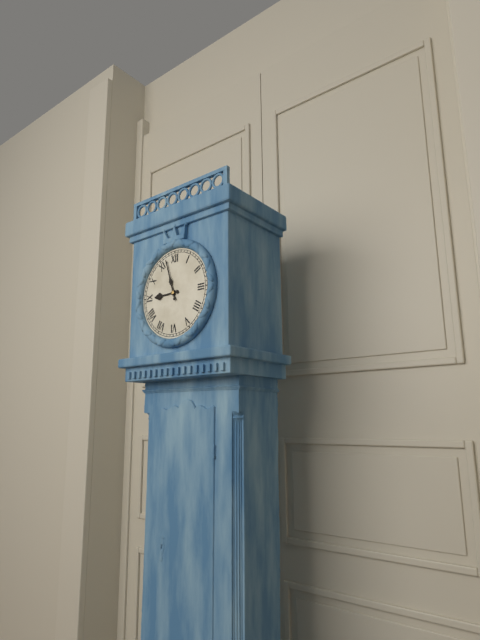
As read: 8:57
